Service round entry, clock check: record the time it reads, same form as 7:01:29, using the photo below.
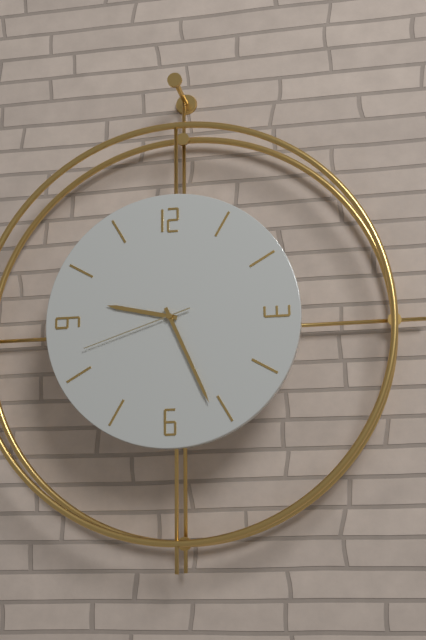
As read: 9:26:42
